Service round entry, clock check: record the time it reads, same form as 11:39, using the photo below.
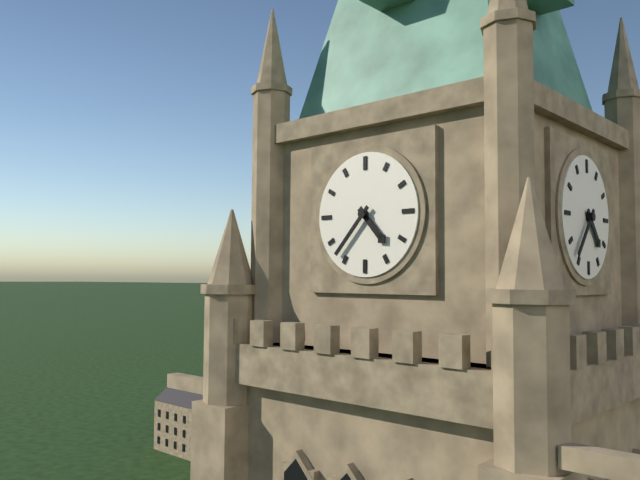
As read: 4:37
